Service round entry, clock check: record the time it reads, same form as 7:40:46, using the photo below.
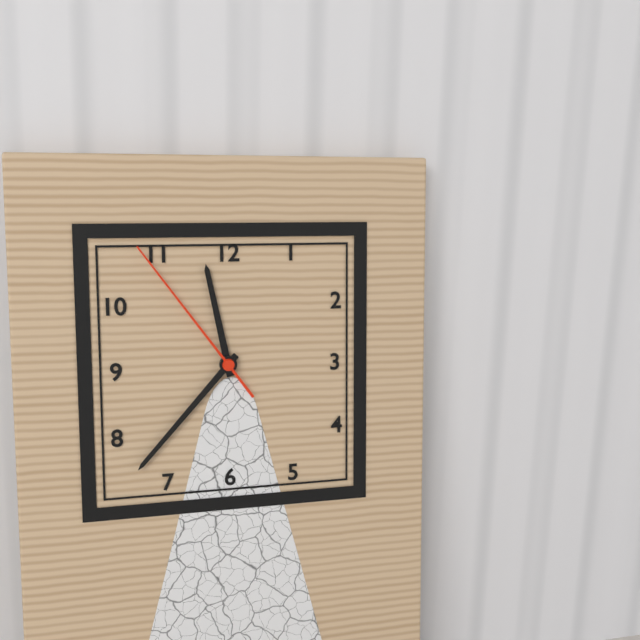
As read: 11:37:54
